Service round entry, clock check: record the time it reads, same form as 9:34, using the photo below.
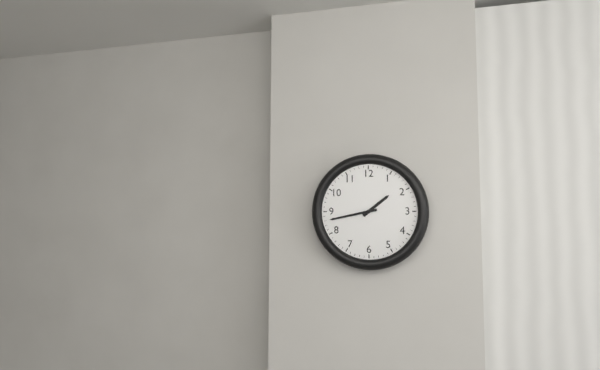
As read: 1:43
